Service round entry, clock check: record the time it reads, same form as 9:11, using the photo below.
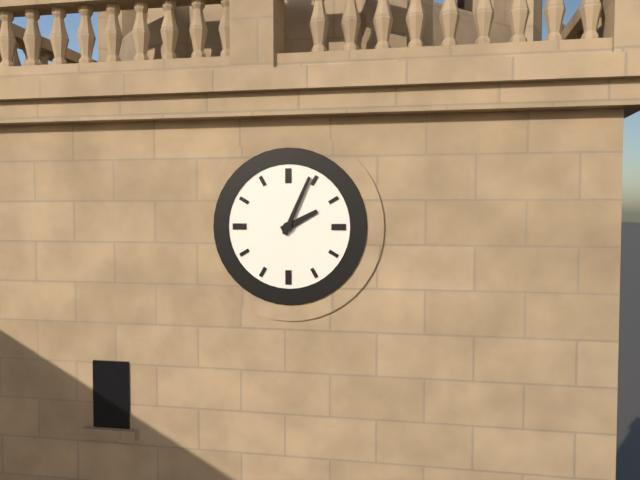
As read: 2:04
